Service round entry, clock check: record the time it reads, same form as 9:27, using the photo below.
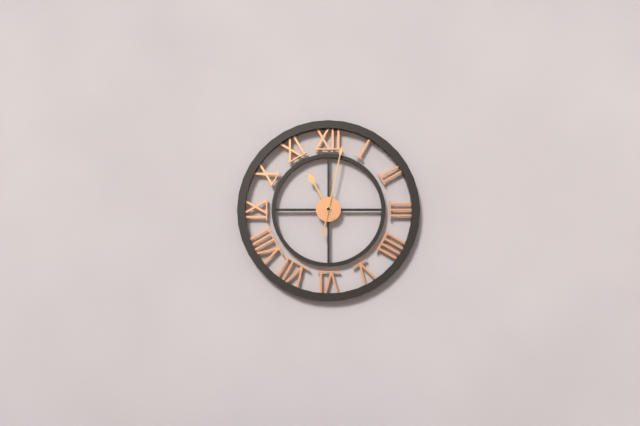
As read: 11:02
